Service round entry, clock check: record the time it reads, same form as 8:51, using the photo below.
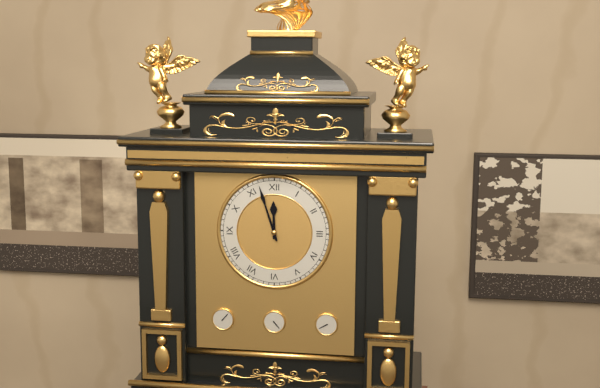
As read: 11:57
